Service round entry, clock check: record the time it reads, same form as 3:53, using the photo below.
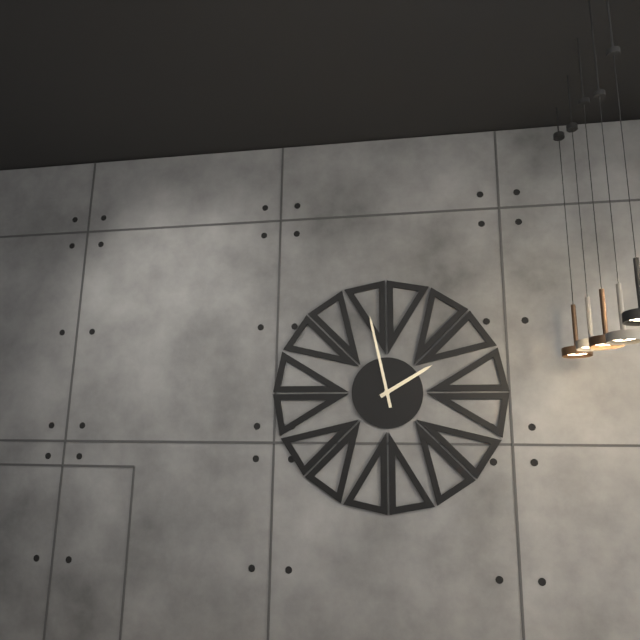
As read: 1:58
